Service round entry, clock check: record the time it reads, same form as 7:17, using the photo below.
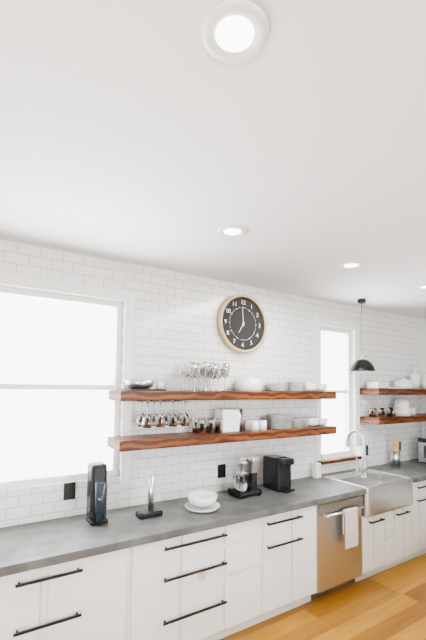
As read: 6:59
